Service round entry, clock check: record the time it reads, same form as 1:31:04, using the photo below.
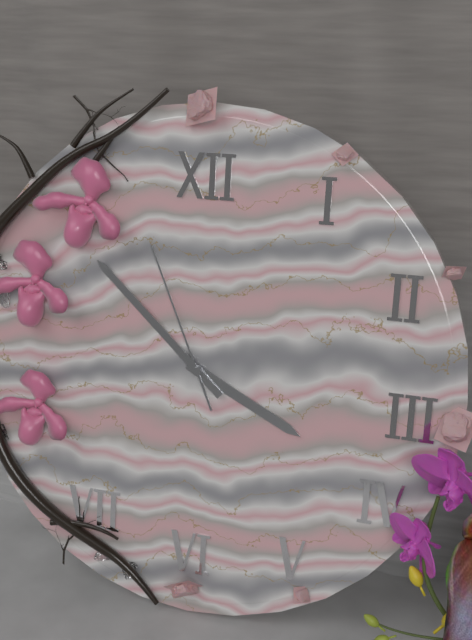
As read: 3:52:56
